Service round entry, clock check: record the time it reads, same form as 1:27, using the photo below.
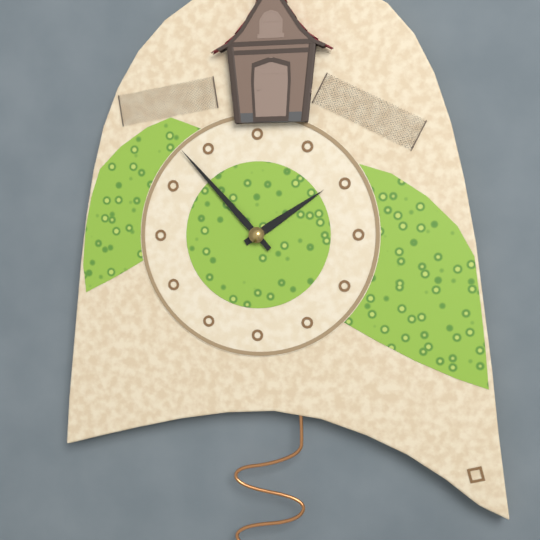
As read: 1:53
